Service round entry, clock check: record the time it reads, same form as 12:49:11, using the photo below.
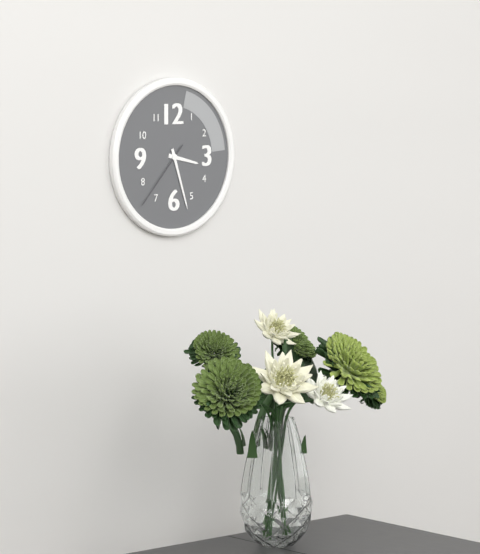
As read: 3:27:37
